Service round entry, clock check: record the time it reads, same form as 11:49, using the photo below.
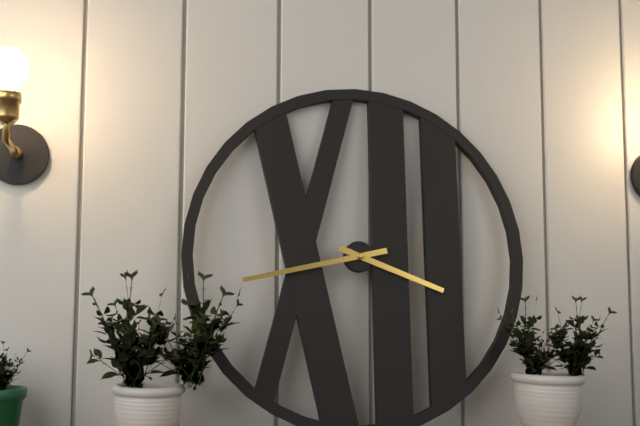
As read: 3:43
